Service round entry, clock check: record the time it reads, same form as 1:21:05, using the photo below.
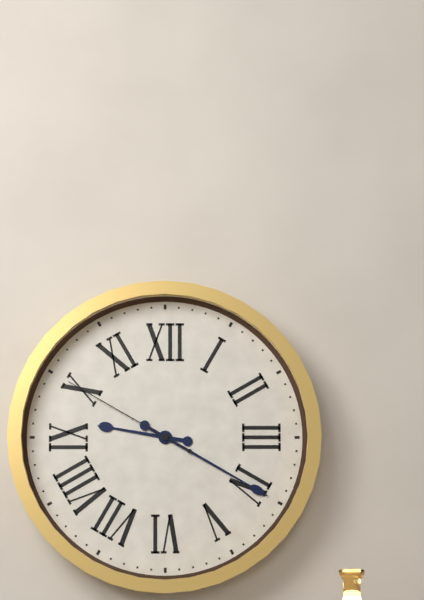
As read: 9:20:50
